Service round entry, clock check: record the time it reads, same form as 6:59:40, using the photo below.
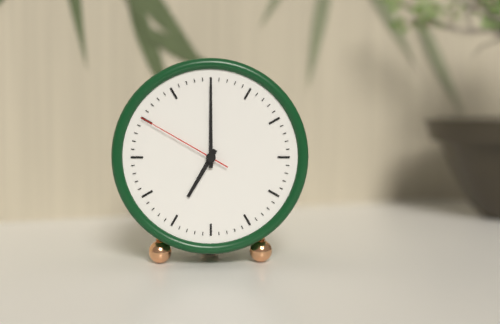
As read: 7:00:50
